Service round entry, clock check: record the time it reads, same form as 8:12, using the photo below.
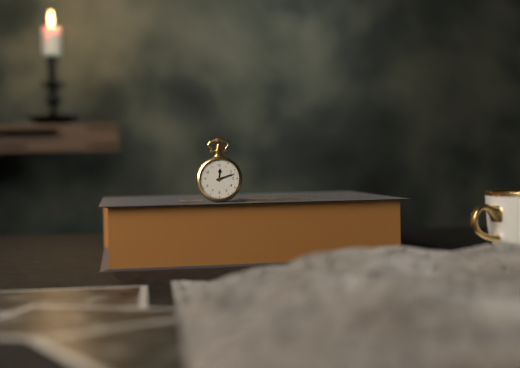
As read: 12:12
